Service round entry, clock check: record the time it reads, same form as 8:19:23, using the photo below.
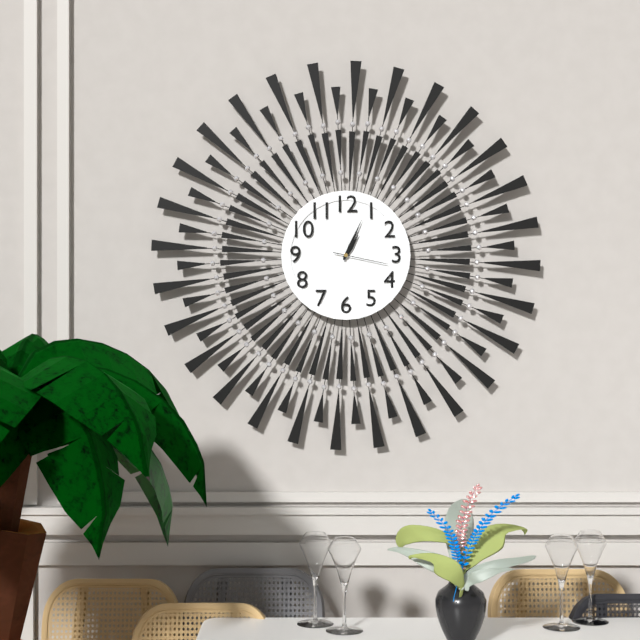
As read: 1:04:17
